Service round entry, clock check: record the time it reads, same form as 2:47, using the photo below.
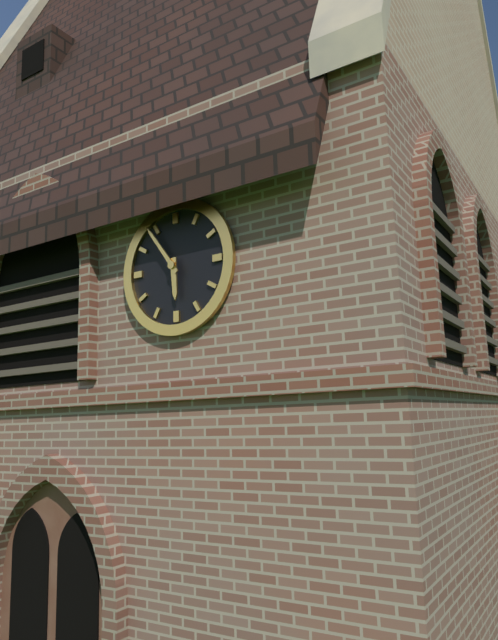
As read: 5:54
